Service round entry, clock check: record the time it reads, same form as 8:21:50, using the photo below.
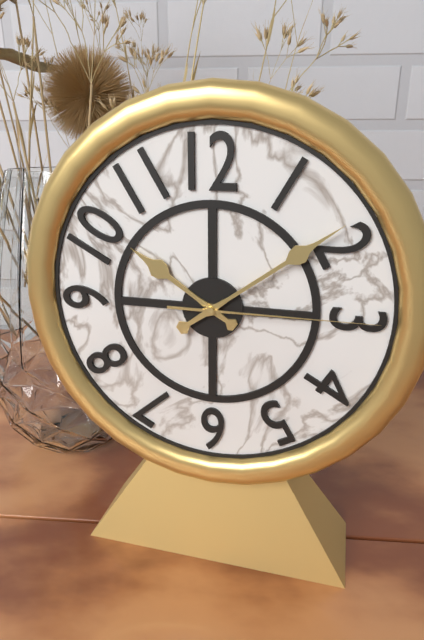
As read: 10:09:15
